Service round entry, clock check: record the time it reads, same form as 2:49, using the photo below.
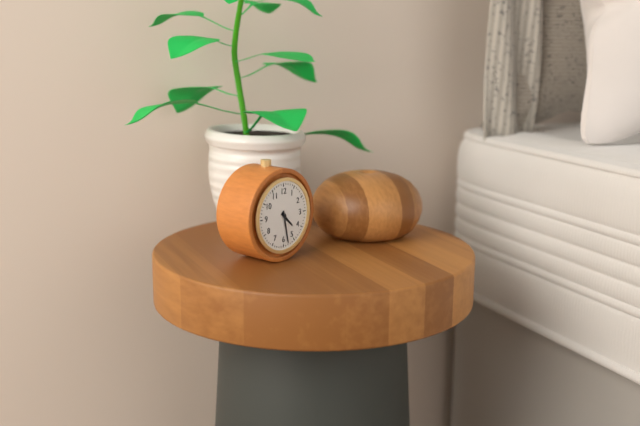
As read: 4:28
